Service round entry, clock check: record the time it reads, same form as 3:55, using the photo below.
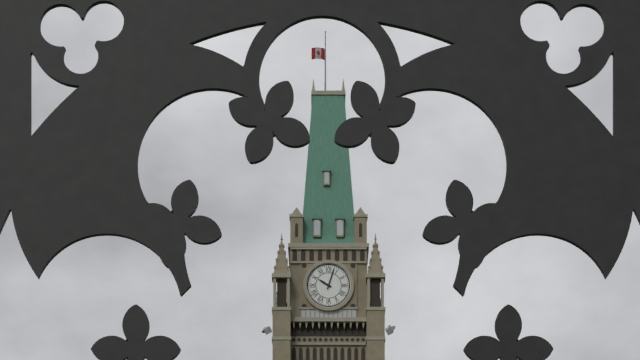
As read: 10:03
